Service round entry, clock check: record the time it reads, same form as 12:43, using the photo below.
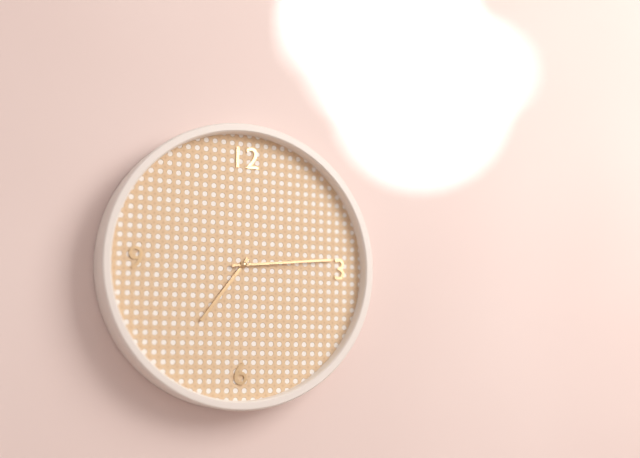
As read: 7:14
